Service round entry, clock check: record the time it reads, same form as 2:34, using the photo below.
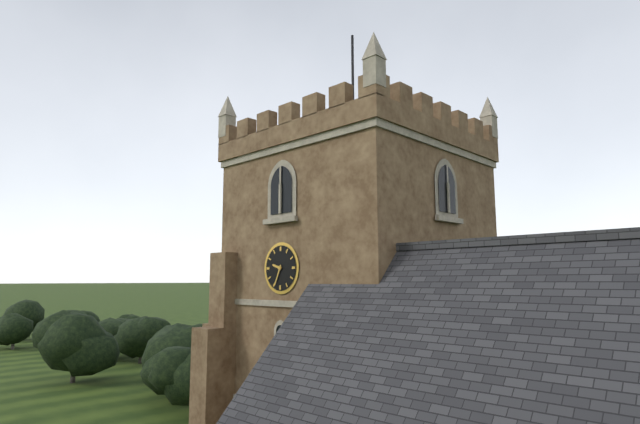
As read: 9:34
